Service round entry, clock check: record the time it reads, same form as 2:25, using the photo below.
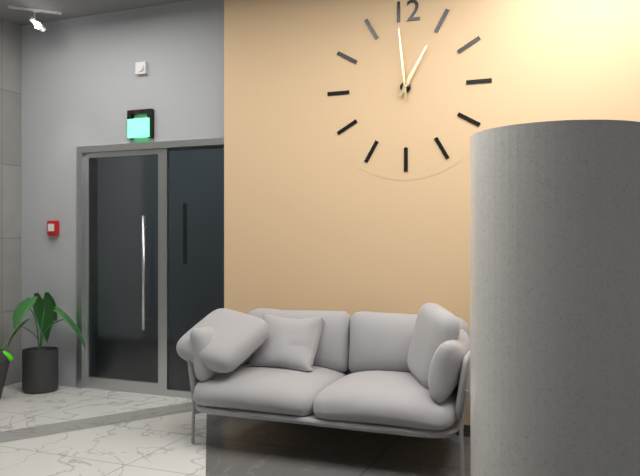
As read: 12:59
